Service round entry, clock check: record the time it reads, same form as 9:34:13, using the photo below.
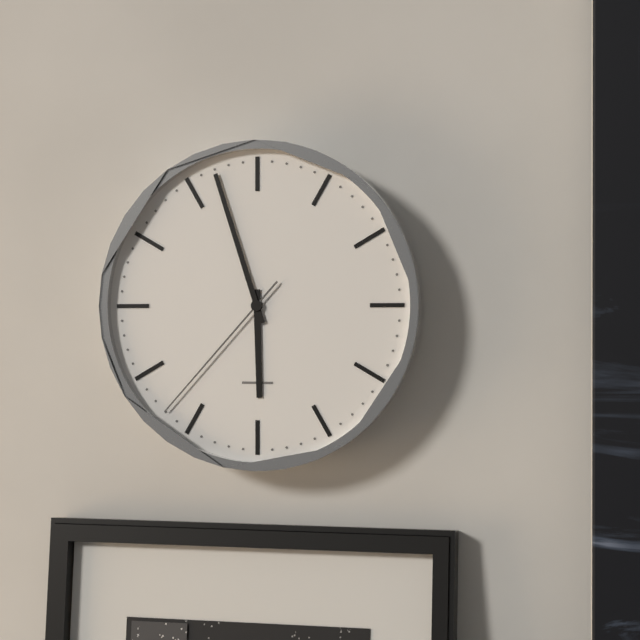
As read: 5:57:37
